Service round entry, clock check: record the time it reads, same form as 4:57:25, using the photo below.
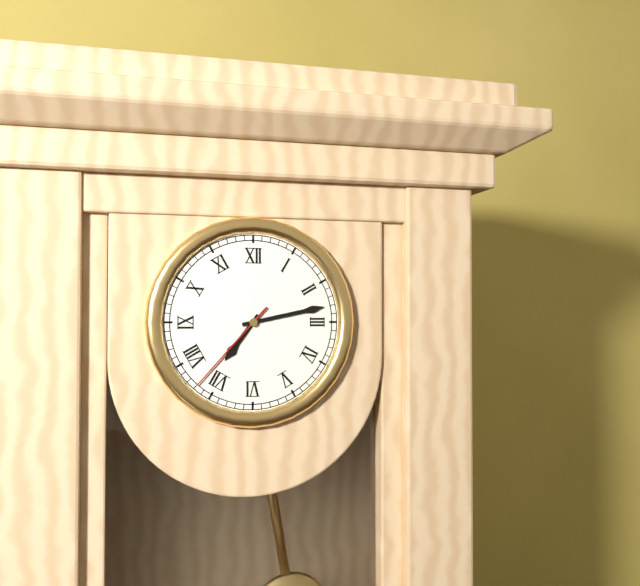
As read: 7:13:37
